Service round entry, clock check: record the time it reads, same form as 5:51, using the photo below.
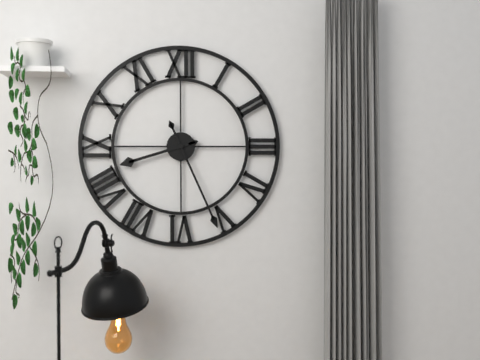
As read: 8:26
